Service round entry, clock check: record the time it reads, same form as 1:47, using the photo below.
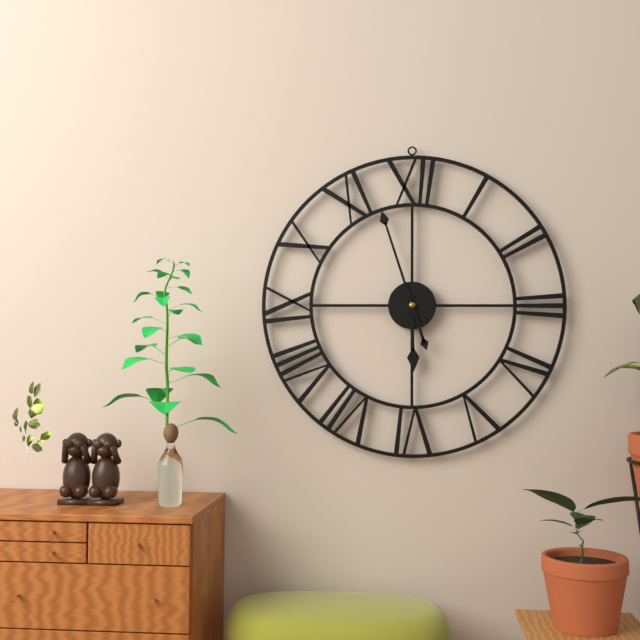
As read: 5:57
